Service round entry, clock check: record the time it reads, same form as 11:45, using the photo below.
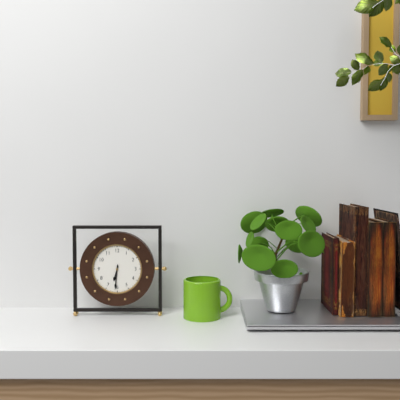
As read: 6:31
